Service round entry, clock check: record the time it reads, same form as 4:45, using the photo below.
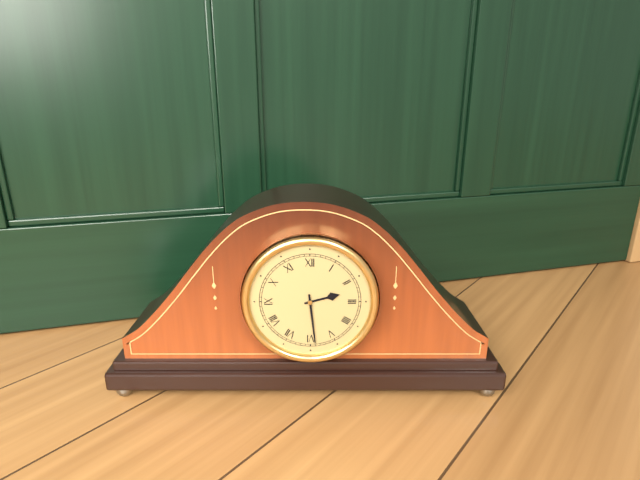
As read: 2:29
